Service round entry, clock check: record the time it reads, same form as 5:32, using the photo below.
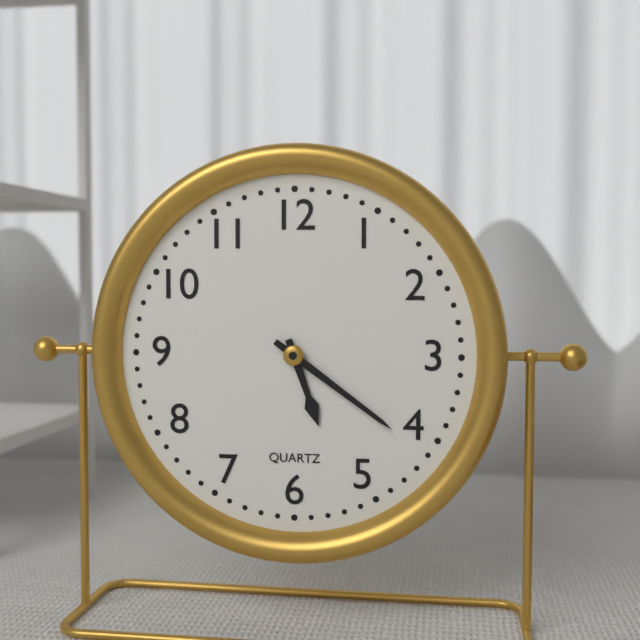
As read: 5:21
